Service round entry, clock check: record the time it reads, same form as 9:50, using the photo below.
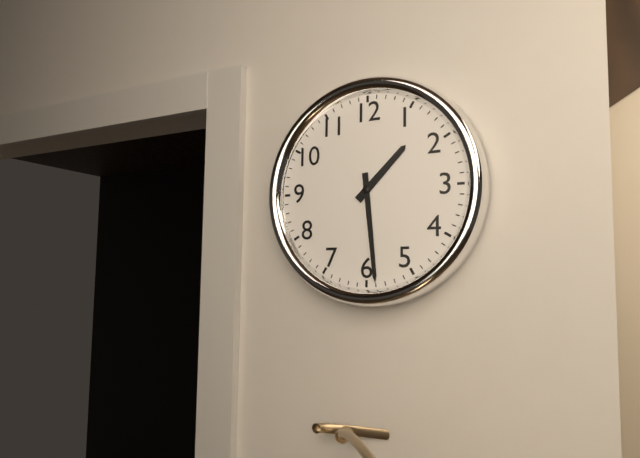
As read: 1:29
